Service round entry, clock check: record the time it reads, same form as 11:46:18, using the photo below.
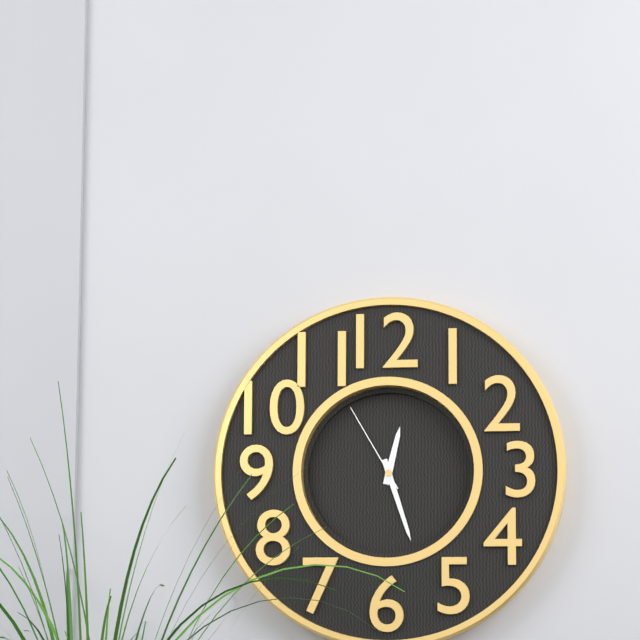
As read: 12:27:55
